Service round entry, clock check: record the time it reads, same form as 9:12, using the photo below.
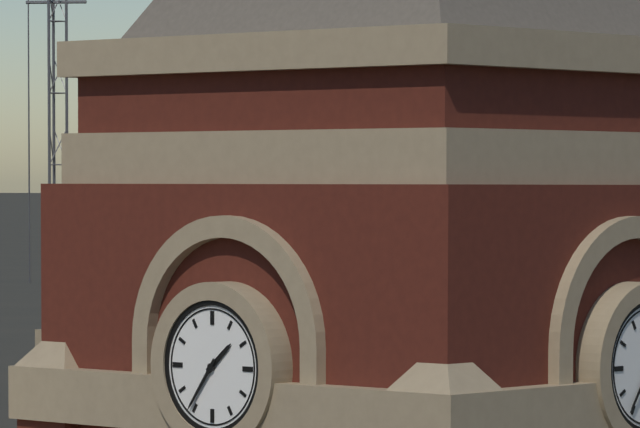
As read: 1:36
